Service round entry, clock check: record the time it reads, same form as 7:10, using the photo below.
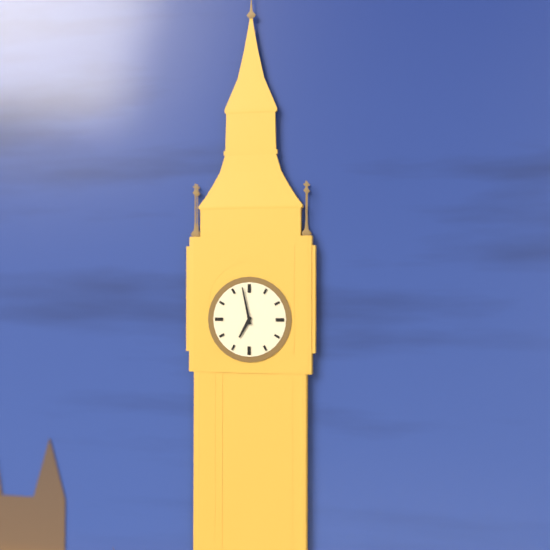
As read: 6:58
